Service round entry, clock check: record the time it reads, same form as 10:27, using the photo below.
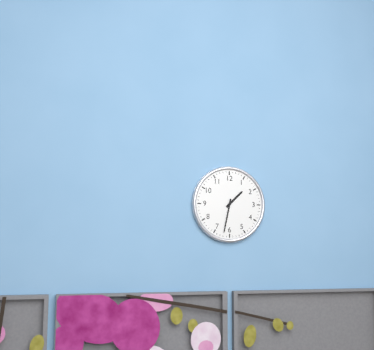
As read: 1:32
